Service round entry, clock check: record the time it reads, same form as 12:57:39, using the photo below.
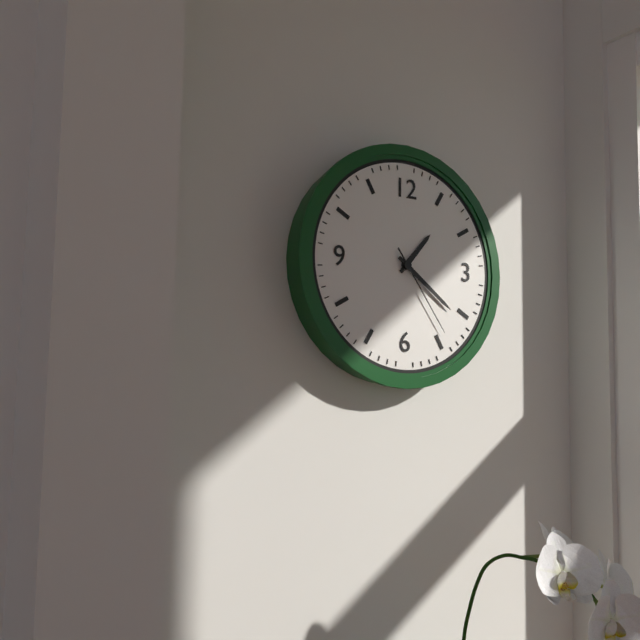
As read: 1:21:24
